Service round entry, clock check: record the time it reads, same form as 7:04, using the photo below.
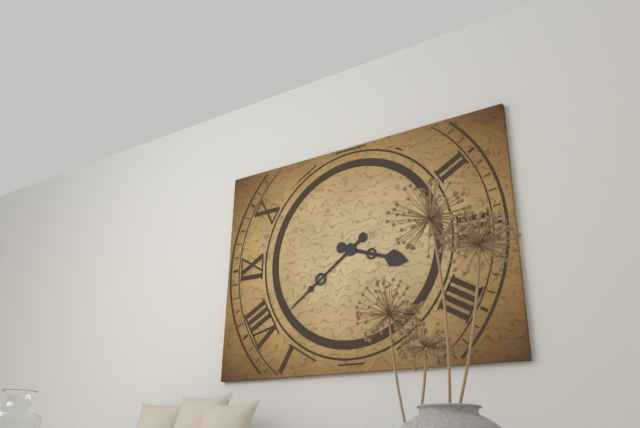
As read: 3:39
